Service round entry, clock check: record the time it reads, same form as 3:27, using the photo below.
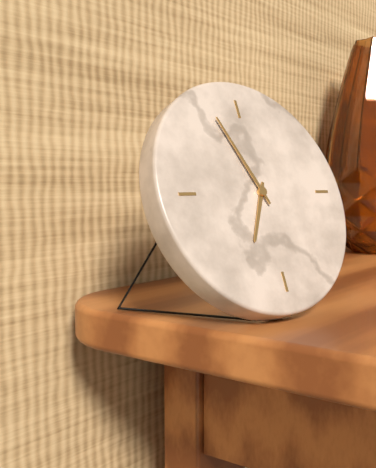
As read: 6:56
